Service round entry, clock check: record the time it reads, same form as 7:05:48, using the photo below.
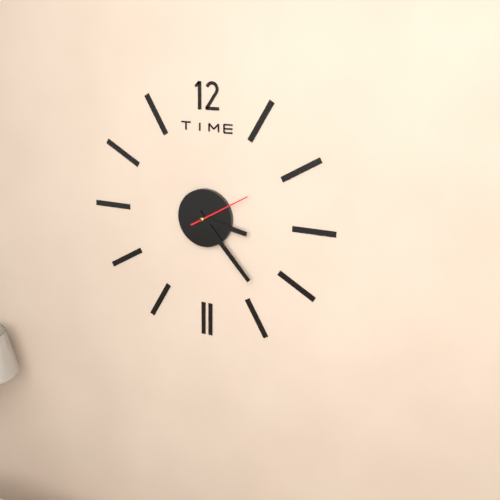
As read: 3:23:10
